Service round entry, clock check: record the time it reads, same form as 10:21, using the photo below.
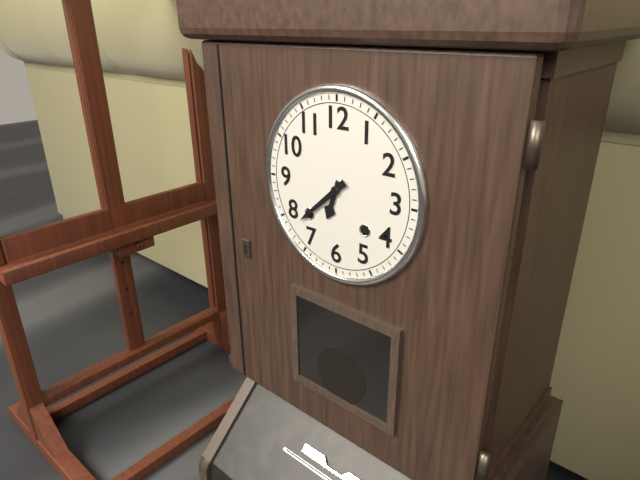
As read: 6:38
